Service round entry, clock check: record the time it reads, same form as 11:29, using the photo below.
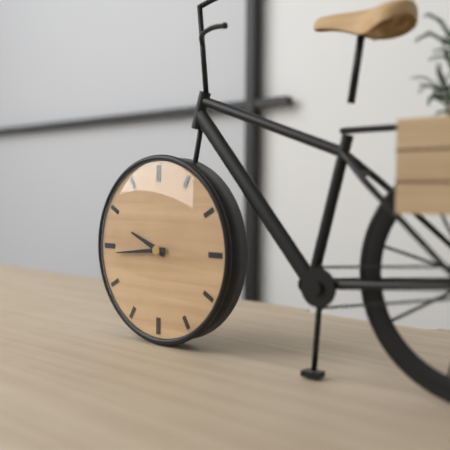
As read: 9:44
